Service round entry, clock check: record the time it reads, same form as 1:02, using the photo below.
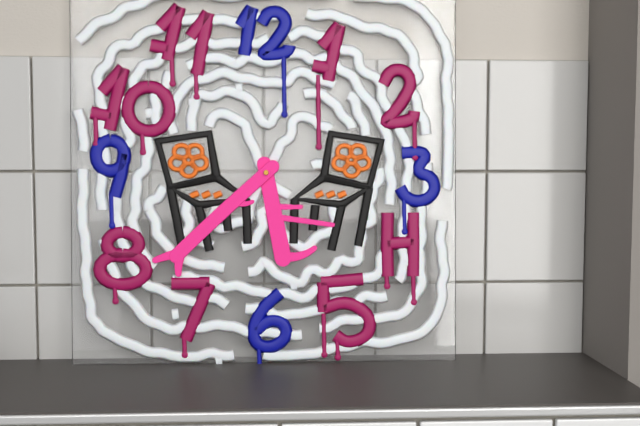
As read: 5:38
